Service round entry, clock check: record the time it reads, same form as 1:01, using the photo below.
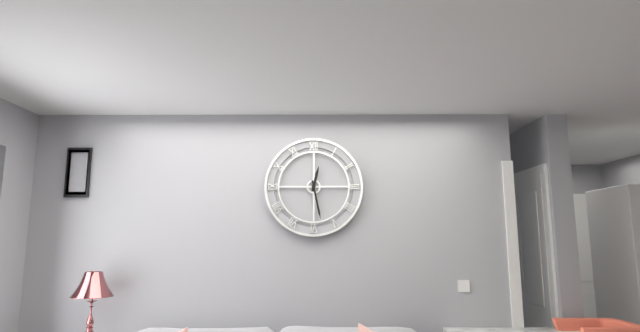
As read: 12:28
